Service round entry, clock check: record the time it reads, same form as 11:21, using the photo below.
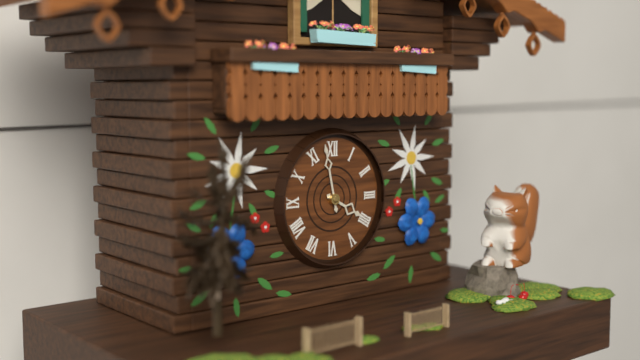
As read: 3:58
